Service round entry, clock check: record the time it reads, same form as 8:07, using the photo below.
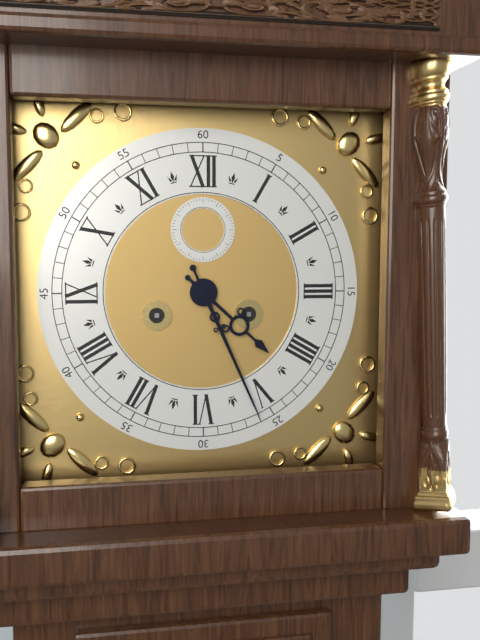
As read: 4:26
